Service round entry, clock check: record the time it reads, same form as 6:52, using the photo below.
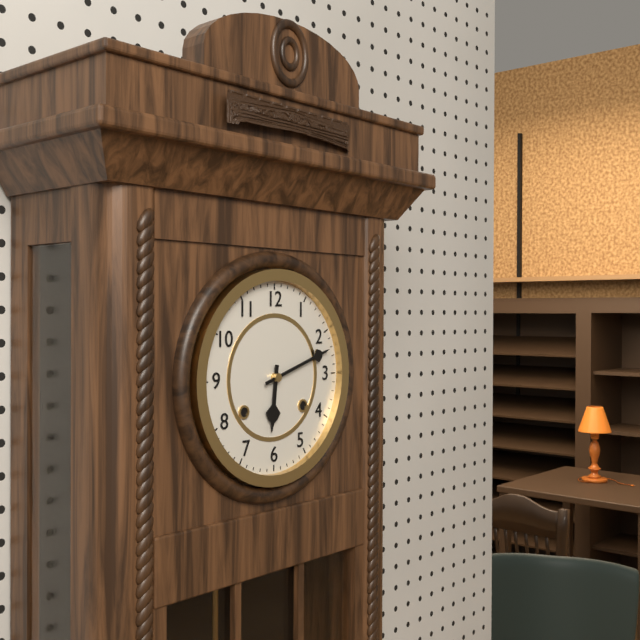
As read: 6:12
